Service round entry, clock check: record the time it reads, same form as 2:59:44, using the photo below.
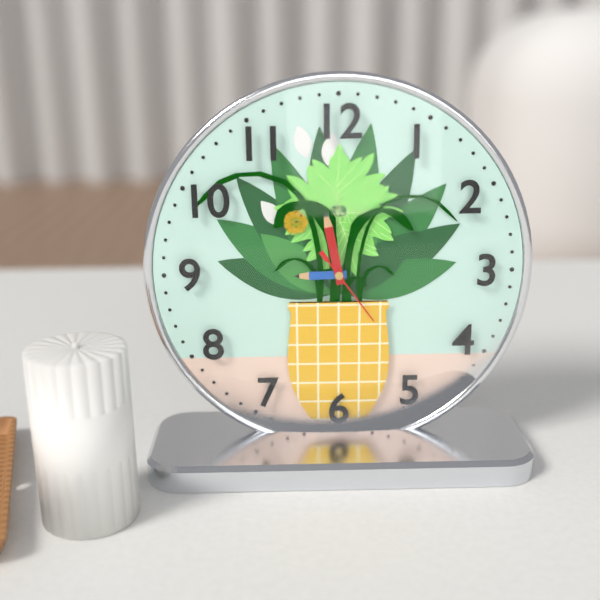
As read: 8:58:24
